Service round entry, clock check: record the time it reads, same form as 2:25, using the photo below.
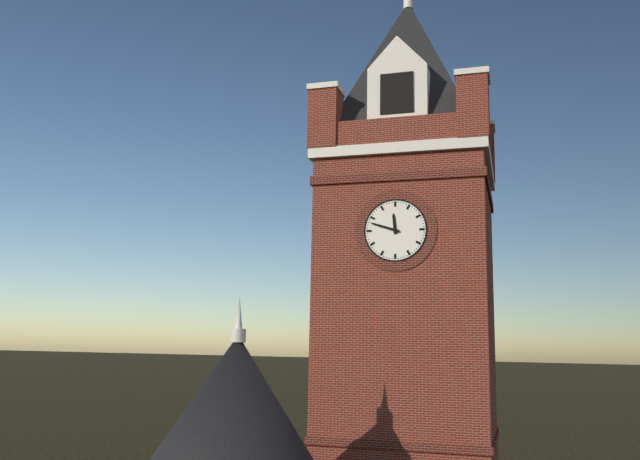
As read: 11:48
